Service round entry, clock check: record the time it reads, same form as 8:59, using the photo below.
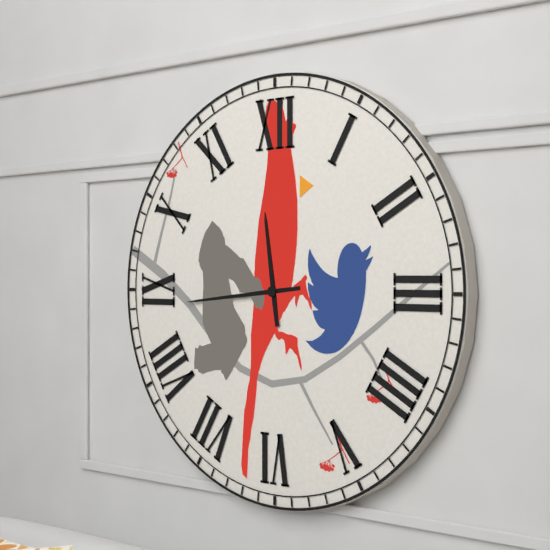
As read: 11:44
